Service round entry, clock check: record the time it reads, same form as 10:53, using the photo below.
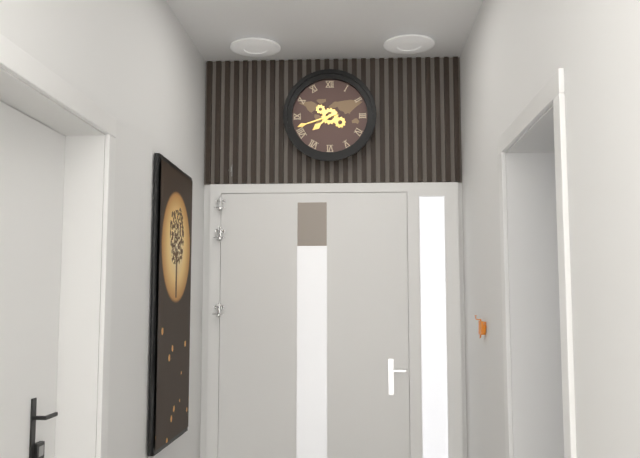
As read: 7:42
